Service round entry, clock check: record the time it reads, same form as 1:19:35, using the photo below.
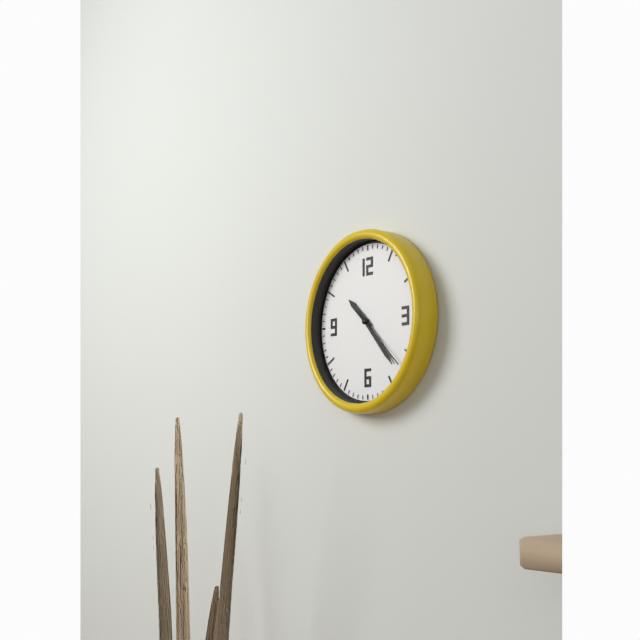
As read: 10:23:22
